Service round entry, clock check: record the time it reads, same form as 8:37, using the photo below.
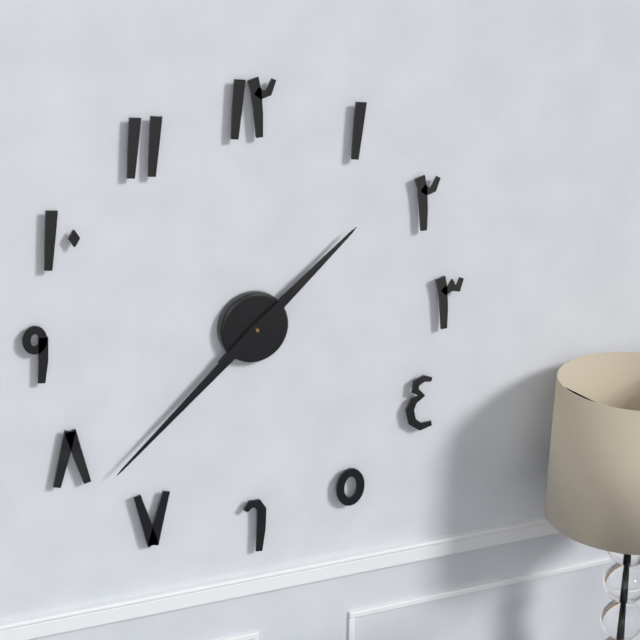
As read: 1:38
